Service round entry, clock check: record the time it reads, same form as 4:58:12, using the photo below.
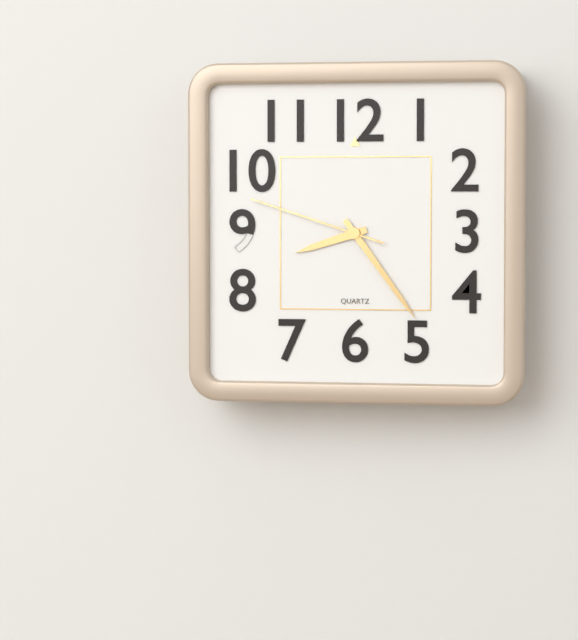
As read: 8:24:48
